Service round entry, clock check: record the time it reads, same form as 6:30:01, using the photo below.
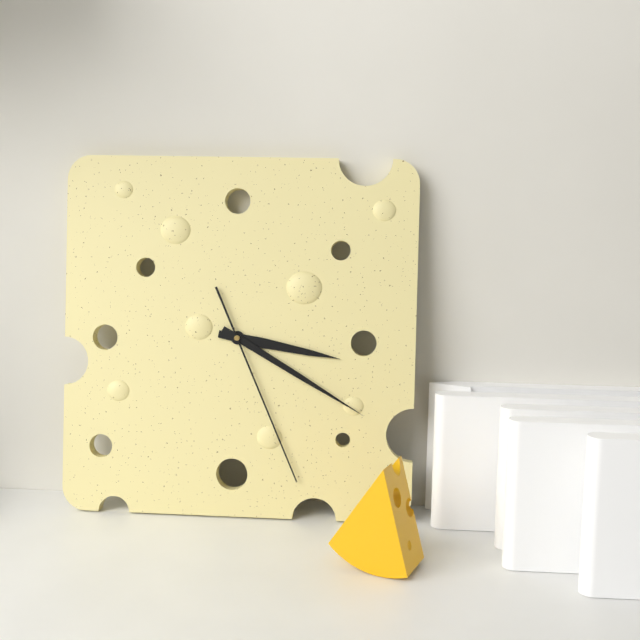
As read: 3:20:26
